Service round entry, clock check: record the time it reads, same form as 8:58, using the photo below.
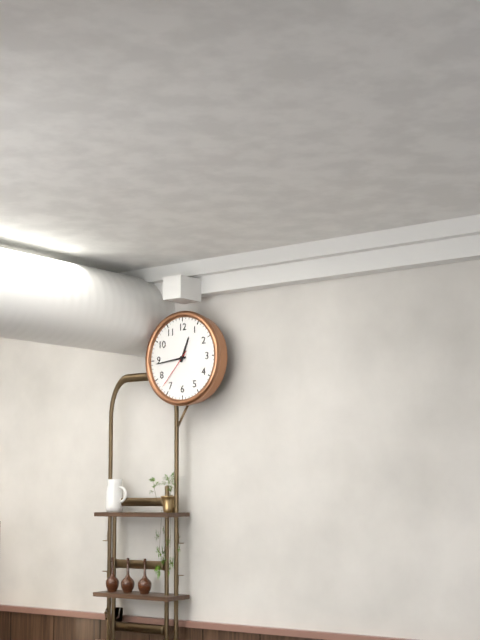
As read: 12:44
